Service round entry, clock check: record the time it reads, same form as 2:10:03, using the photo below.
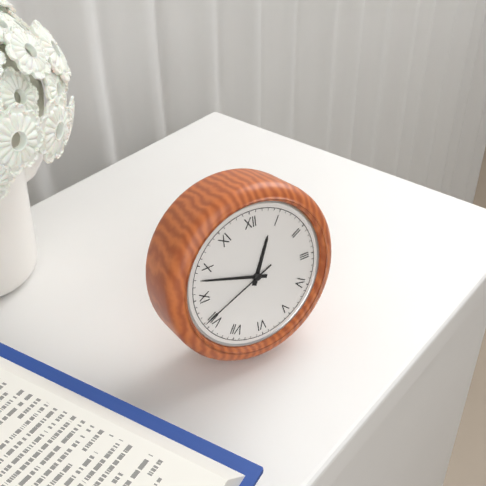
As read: 12:48:41
